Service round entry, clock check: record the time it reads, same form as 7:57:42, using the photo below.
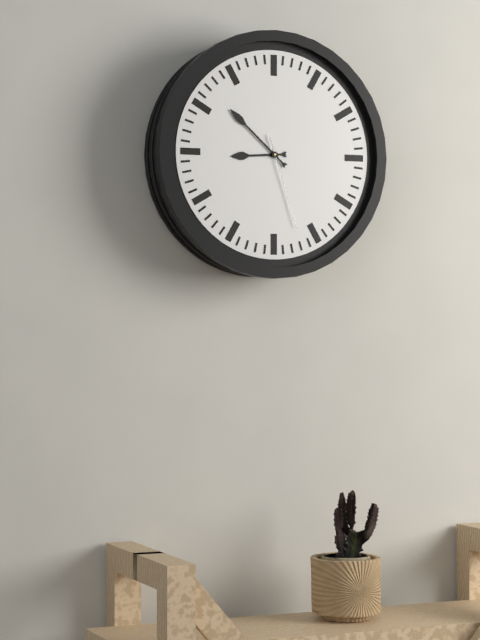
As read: 8:52:27
